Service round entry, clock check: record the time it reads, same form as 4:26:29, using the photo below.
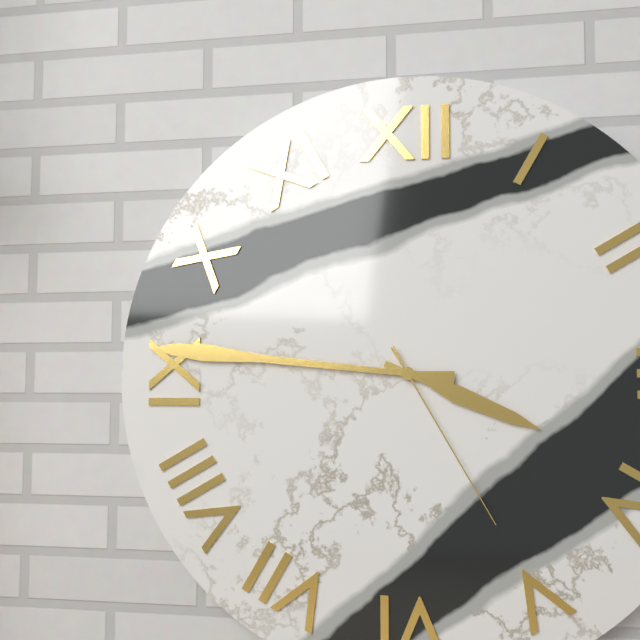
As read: 3:46:25
